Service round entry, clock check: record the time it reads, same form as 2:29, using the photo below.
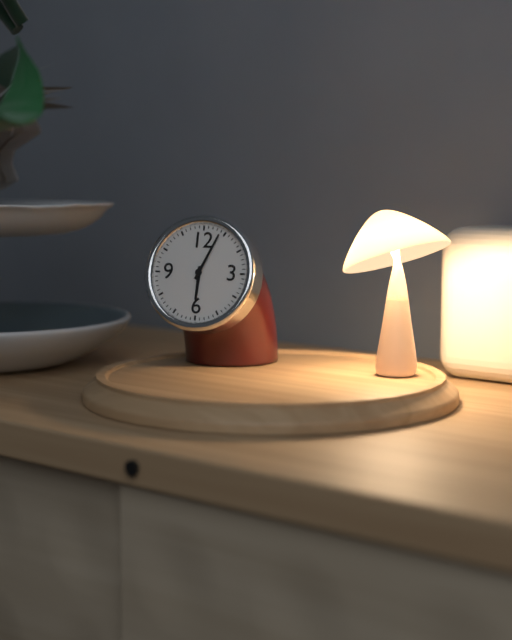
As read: 6:04
